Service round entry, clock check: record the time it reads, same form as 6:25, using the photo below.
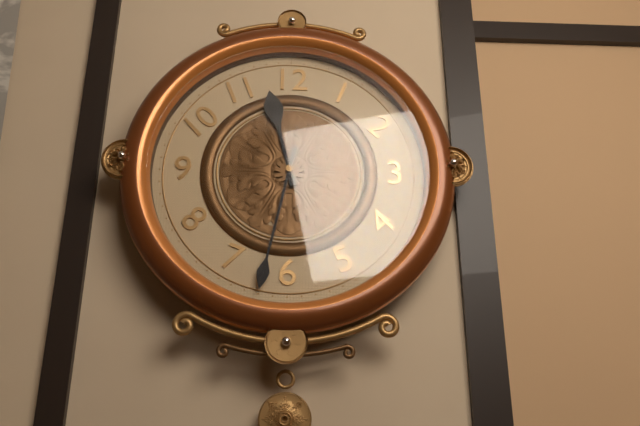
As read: 11:32
